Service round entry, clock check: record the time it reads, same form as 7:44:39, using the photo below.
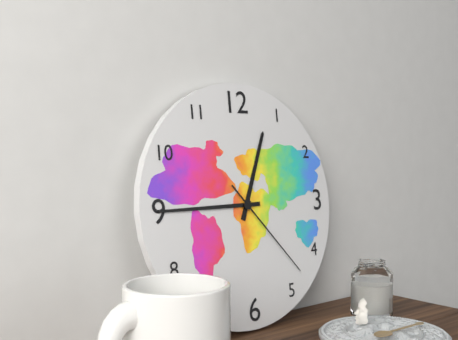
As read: 12:45:23
